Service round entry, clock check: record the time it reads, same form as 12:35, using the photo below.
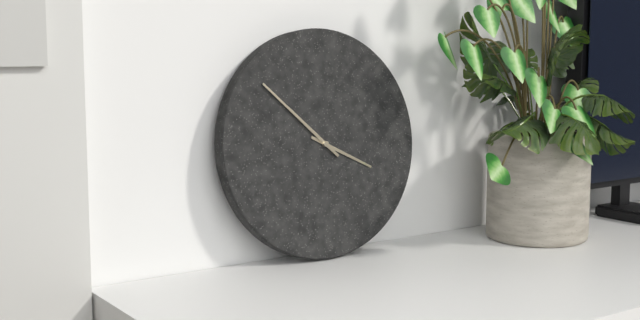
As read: 3:52
